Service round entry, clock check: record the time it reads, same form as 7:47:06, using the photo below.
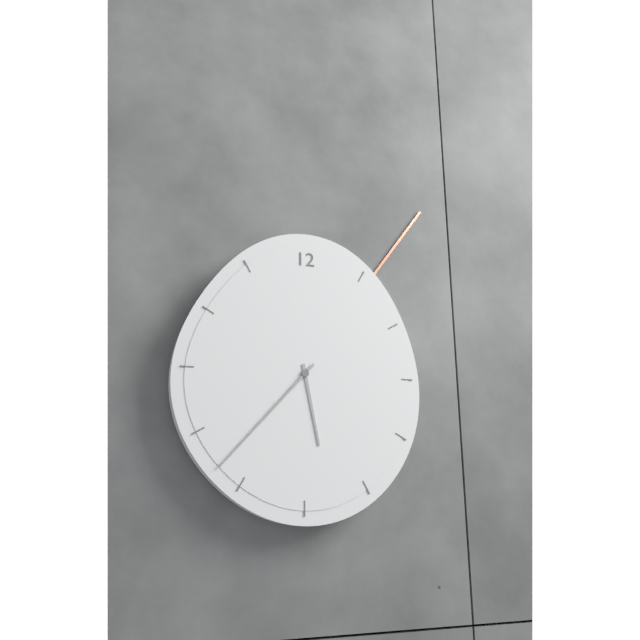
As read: 5:37:06
